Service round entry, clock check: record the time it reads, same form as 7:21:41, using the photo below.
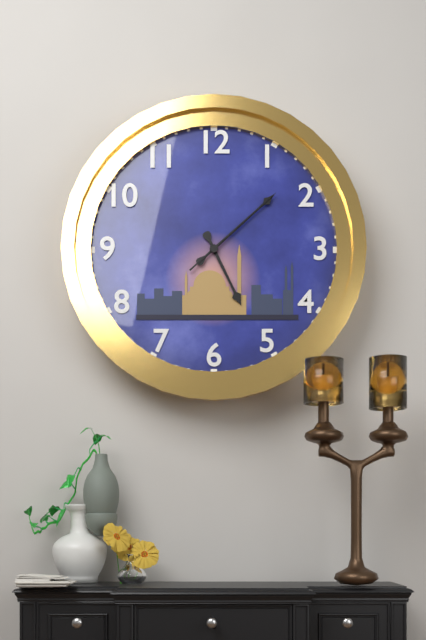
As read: 5:08:08
